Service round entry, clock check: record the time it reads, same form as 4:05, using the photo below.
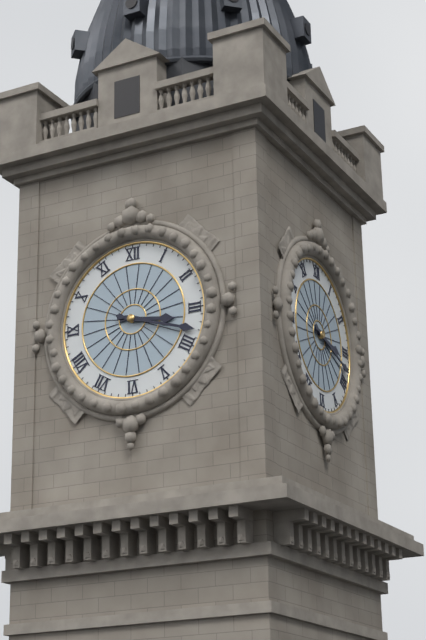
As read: 3:18
